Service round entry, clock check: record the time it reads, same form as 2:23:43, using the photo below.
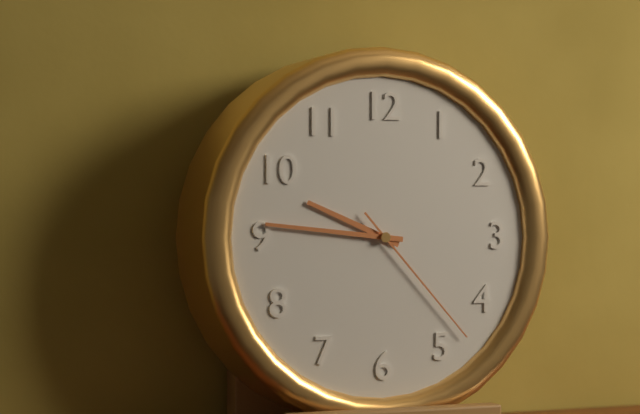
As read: 9:46:23
